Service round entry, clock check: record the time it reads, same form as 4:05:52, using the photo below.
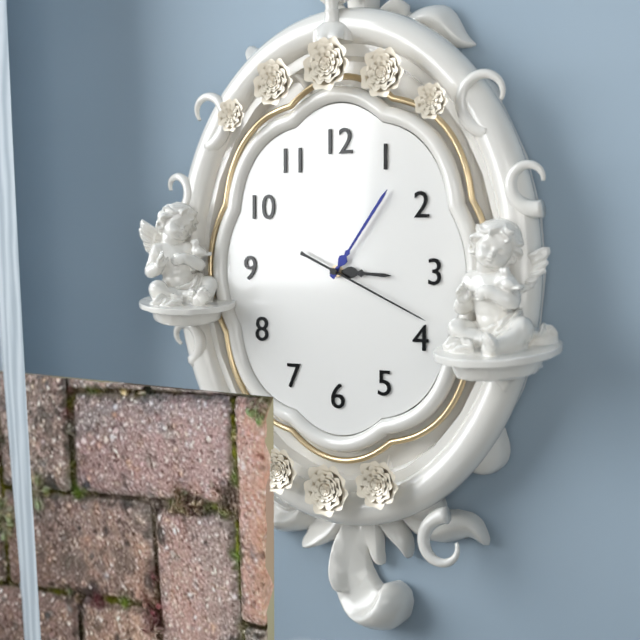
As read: 3:06:19
